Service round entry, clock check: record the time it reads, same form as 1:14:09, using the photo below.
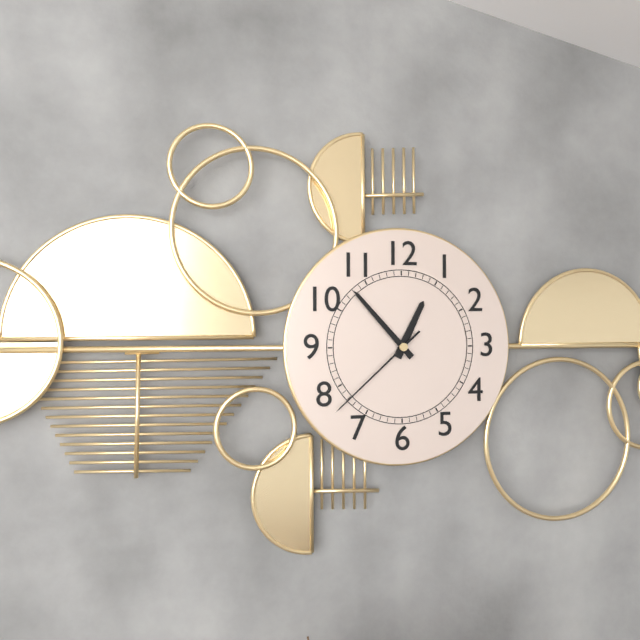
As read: 12:53:38
